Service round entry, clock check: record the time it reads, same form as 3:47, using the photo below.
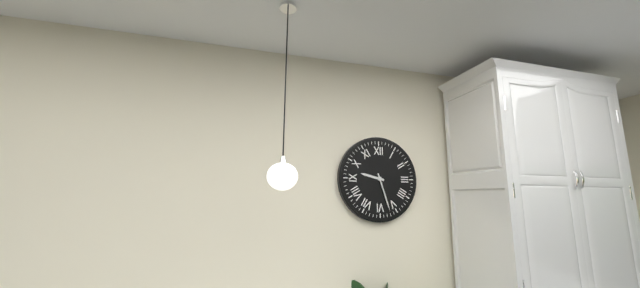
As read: 9:27
